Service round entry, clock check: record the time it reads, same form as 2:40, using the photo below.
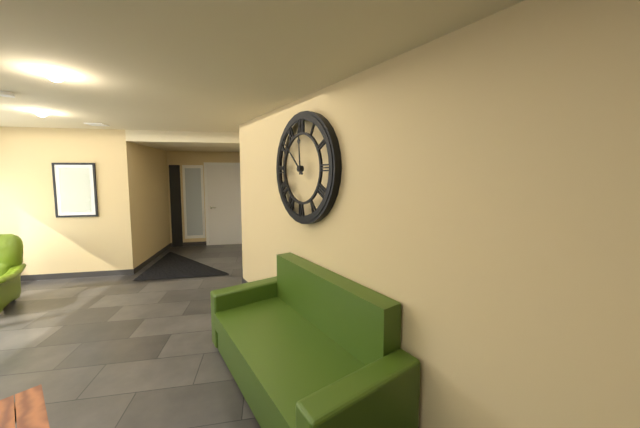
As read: 11:52
